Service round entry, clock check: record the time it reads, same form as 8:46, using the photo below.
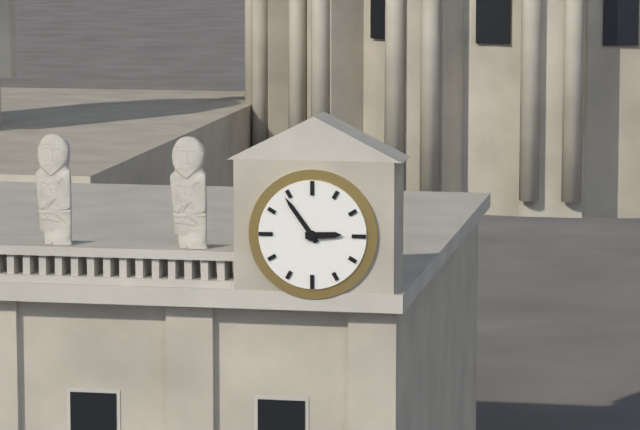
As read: 2:54
